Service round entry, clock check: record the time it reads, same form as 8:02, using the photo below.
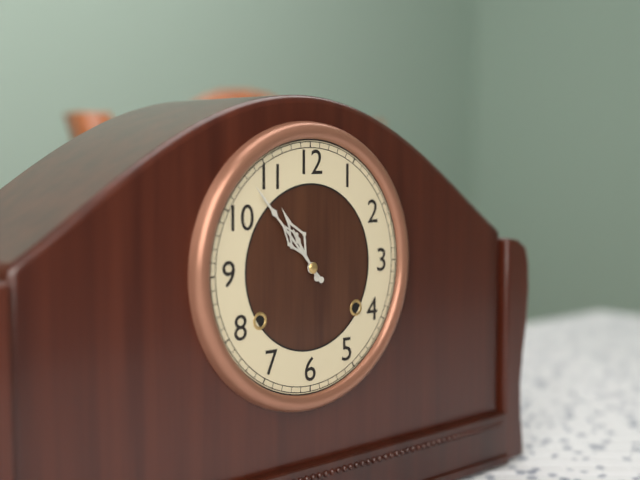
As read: 10:53
